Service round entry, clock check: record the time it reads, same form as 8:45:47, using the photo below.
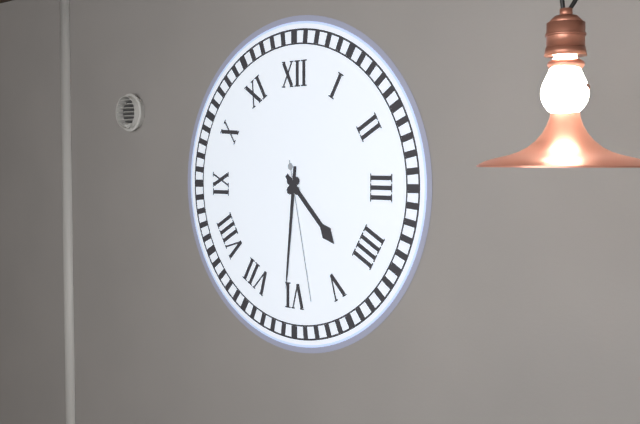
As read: 4:31:28
